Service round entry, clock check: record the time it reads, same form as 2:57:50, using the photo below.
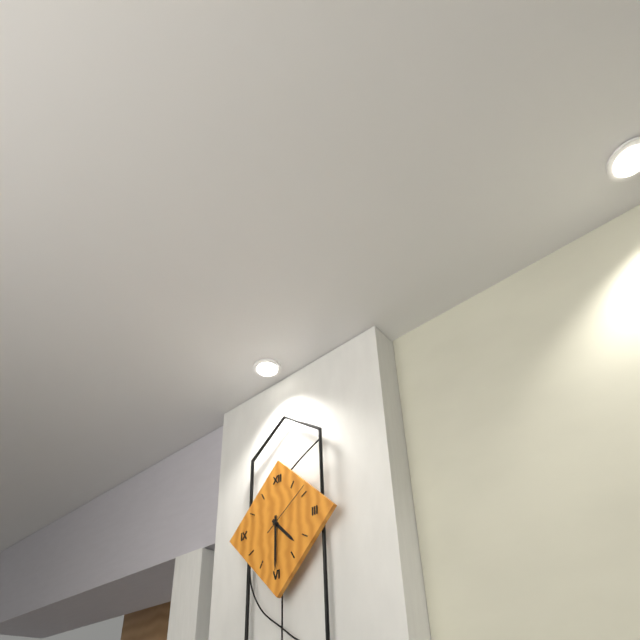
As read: 4:30:09
